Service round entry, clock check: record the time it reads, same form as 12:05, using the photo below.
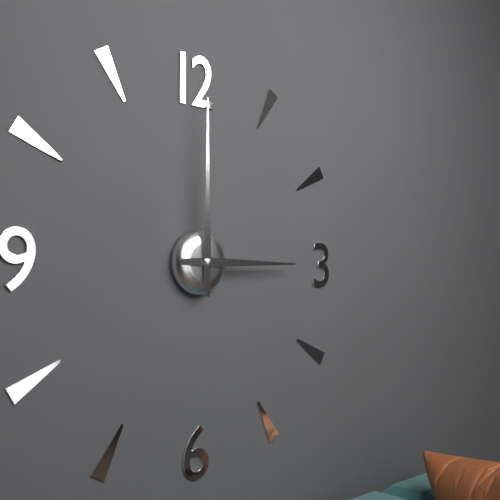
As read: 3:00
